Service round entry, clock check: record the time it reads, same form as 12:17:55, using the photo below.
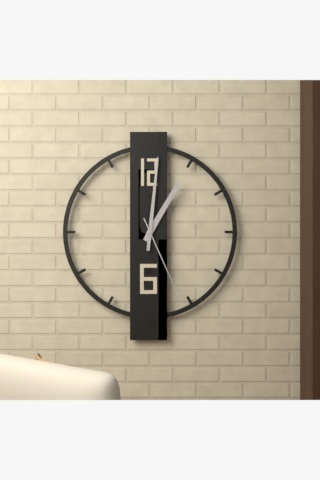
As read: 1:01:26
